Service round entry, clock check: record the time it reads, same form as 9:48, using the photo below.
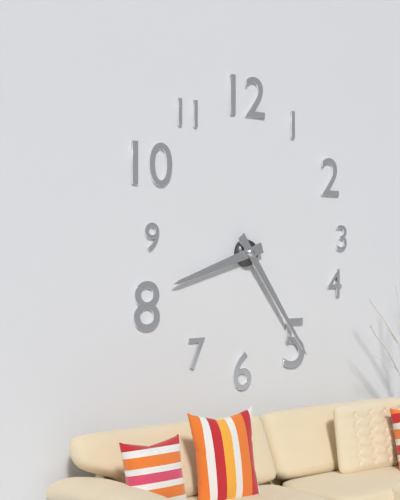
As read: 8:24
